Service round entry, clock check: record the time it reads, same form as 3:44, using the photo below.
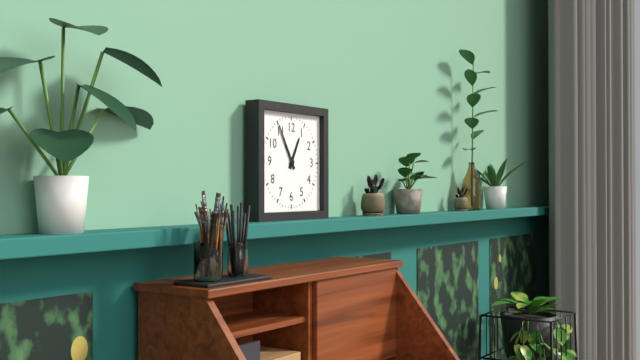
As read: 12:55
